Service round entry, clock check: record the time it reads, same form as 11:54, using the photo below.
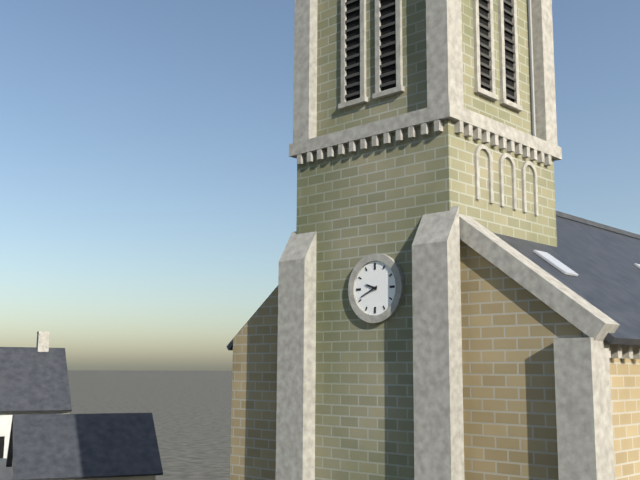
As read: 9:41
